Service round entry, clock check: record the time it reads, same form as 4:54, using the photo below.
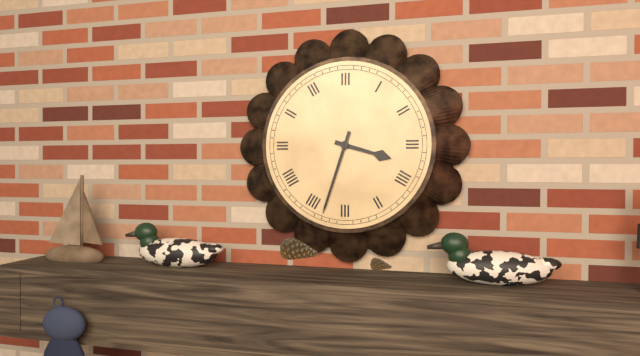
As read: 3:33
